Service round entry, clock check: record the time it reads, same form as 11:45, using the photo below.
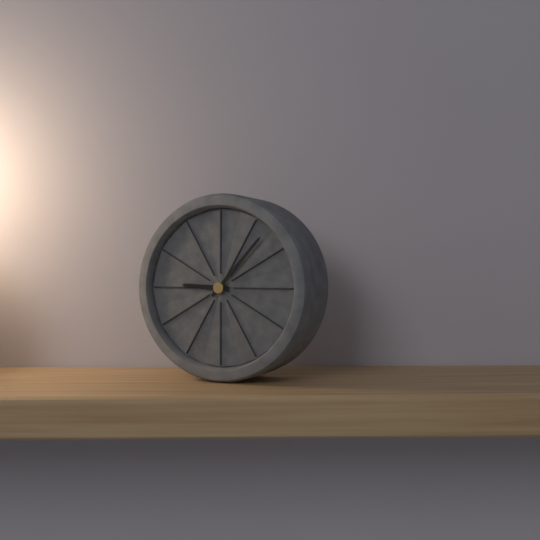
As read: 9:07
